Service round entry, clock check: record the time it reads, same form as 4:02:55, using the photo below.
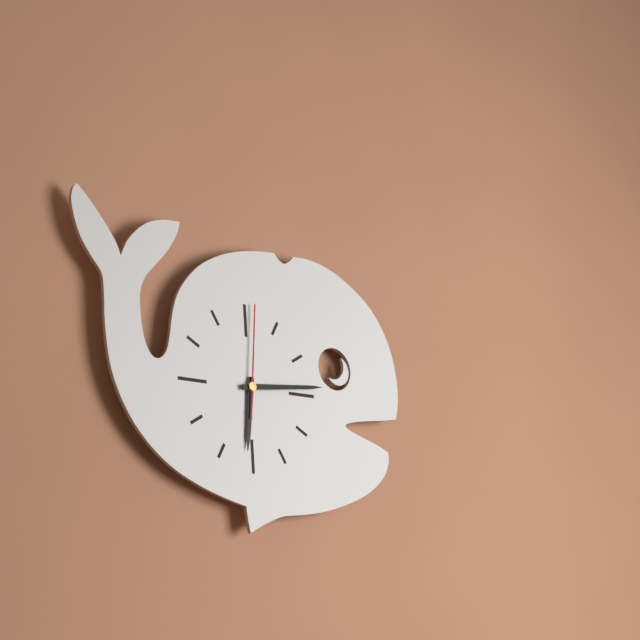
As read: 6:14:01
